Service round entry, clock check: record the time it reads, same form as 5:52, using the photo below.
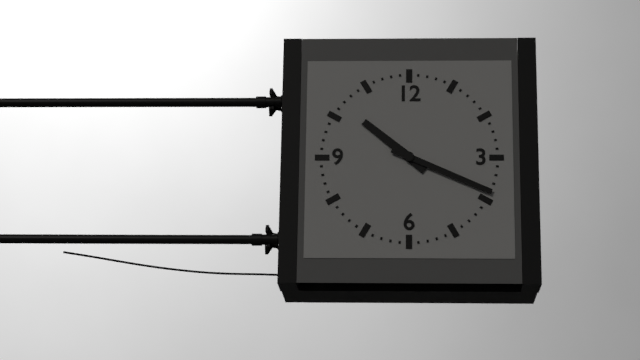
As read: 10:19
